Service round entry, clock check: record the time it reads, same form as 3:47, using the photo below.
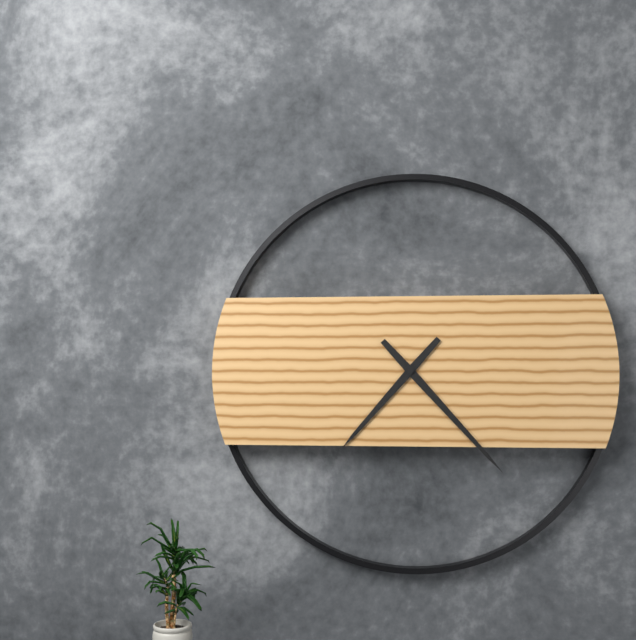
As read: 7:23
